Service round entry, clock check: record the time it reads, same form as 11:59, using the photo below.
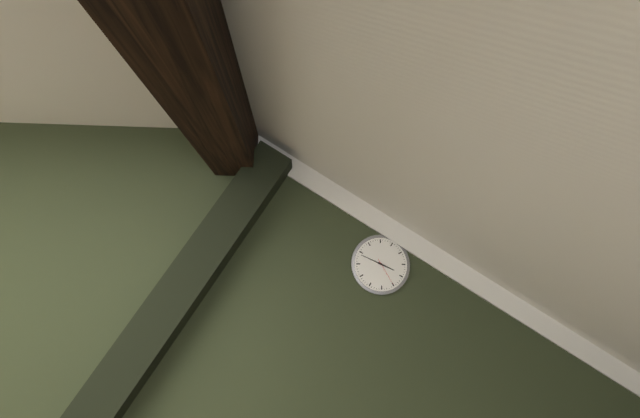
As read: 3:49
